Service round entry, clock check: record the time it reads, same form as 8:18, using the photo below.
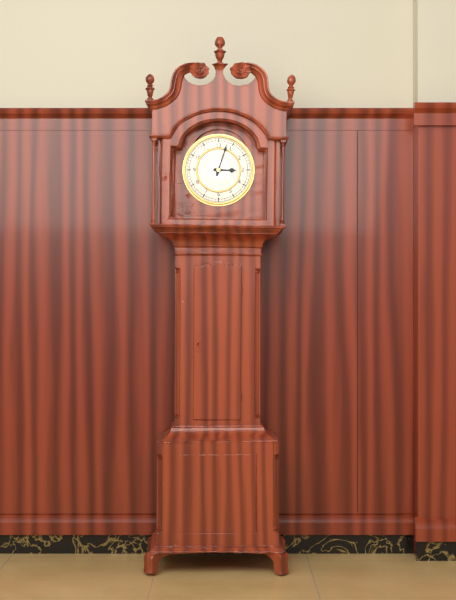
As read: 3:03
